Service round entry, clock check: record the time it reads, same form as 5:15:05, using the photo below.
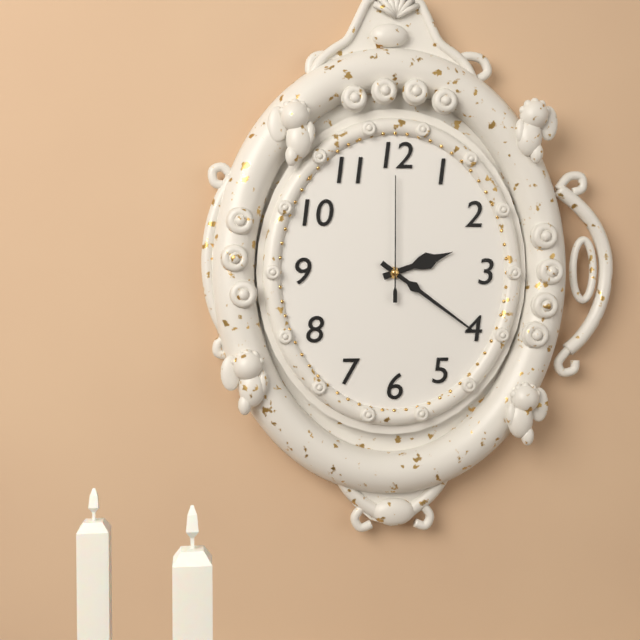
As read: 2:21:00
